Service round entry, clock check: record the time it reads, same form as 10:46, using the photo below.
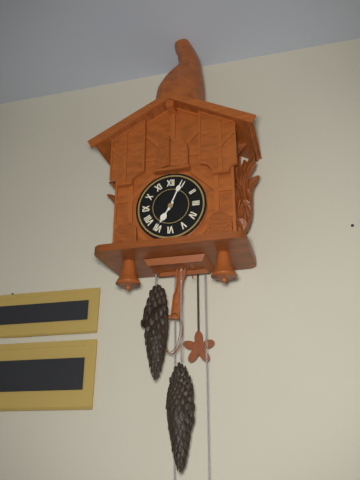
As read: 7:04
